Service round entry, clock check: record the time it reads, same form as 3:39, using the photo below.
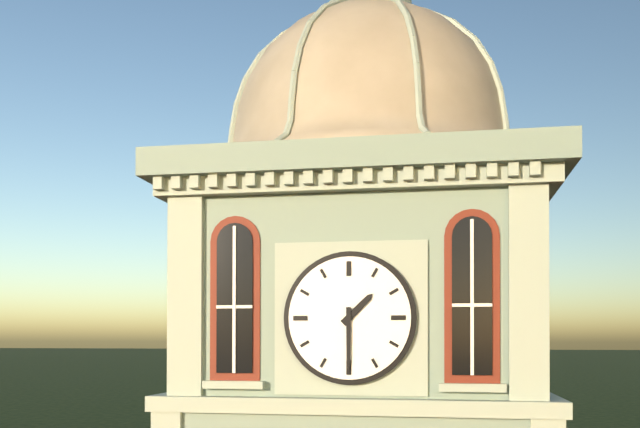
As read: 1:30
